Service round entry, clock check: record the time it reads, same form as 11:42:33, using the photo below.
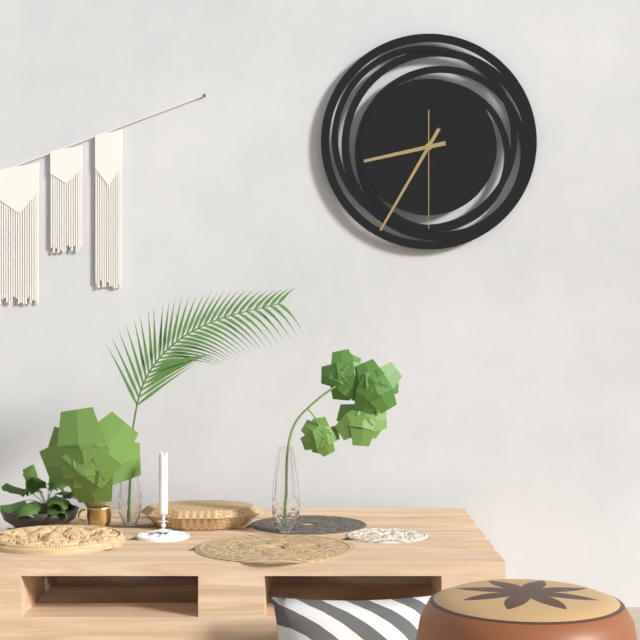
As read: 8:35:30
